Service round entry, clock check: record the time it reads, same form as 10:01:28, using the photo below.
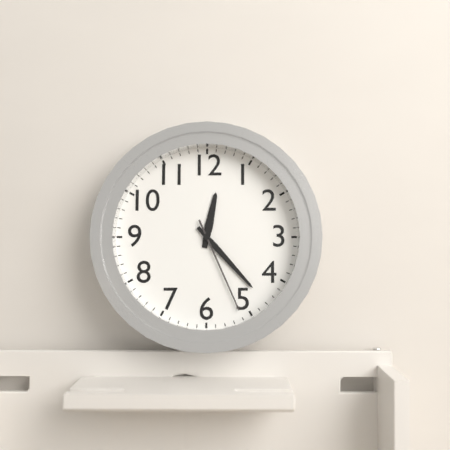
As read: 12:23:26
